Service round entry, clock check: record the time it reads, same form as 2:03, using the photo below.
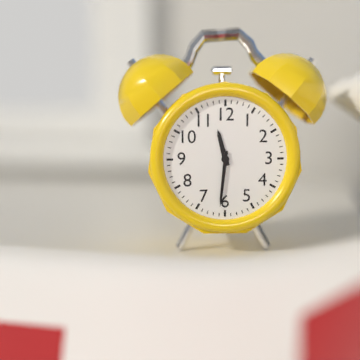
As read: 11:31
